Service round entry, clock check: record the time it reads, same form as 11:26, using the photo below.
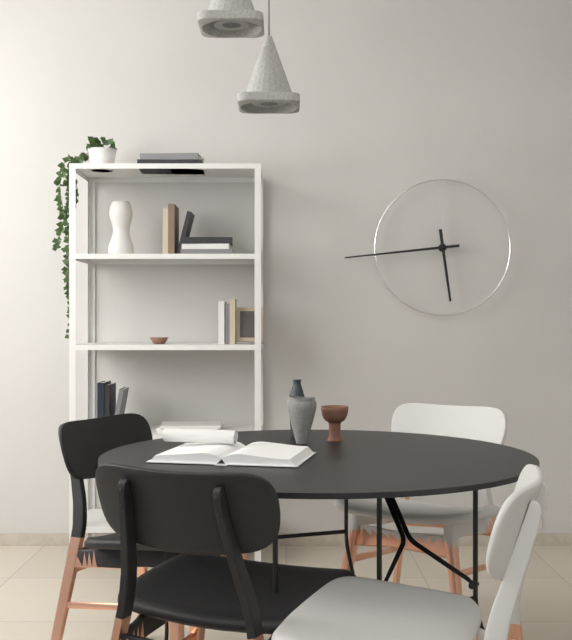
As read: 5:44
